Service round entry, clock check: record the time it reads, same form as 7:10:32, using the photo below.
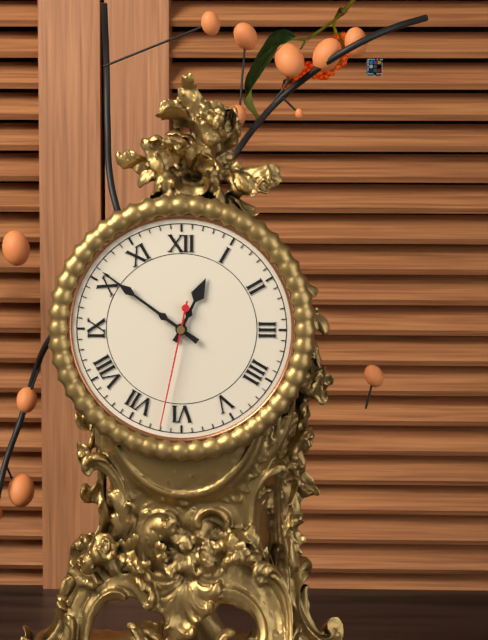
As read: 12:51:32
